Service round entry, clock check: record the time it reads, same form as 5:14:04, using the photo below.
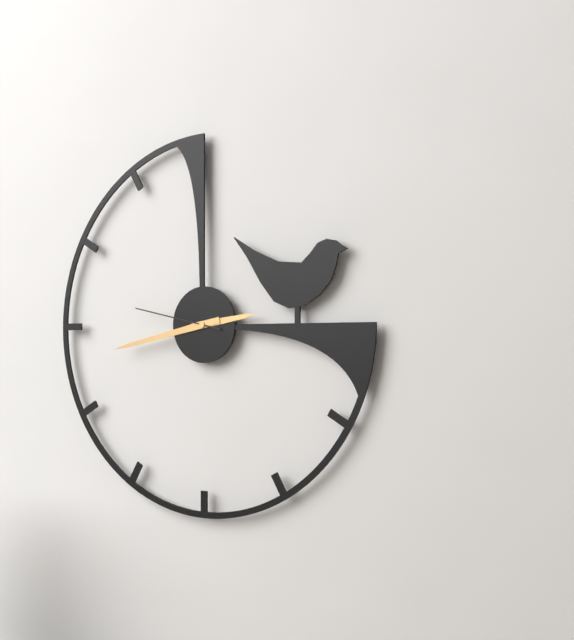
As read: 2:43:47
